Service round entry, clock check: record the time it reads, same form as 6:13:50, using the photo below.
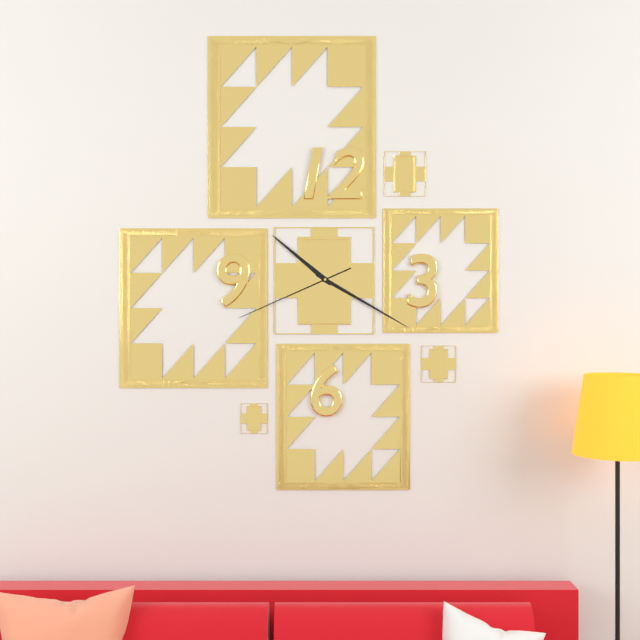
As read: 10:20:41
